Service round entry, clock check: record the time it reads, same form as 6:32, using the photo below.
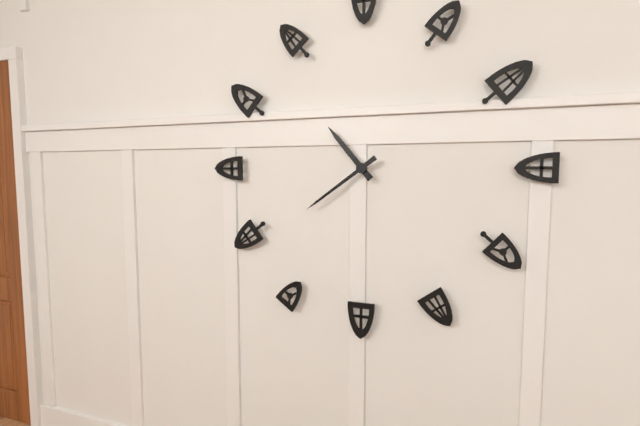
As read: 10:39
